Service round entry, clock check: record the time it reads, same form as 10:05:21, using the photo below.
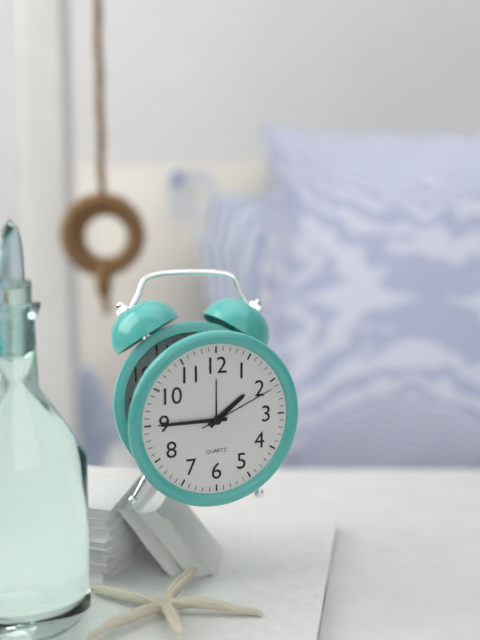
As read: 1:45:11
